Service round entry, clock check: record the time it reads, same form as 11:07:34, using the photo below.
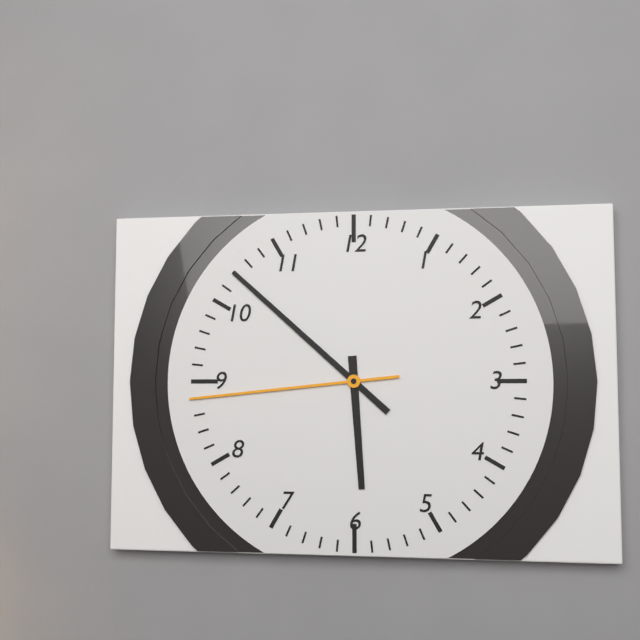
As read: 5:52:44
